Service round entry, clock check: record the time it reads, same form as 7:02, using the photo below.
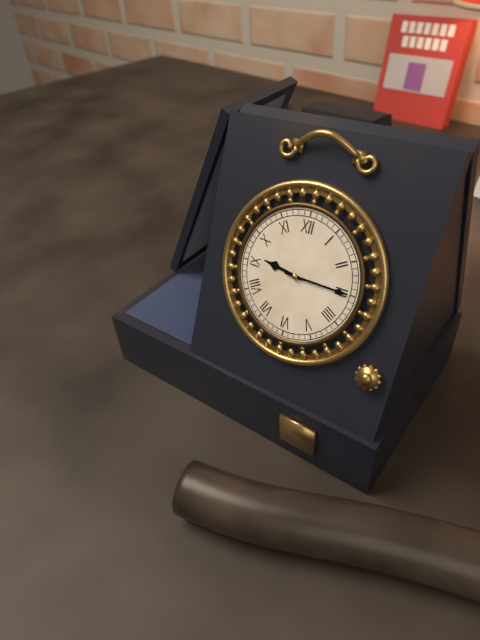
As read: 9:15
